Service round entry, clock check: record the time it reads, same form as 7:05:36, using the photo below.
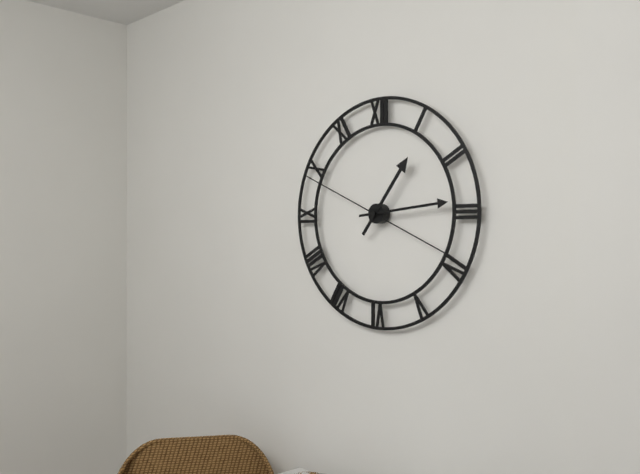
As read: 1:14:49
